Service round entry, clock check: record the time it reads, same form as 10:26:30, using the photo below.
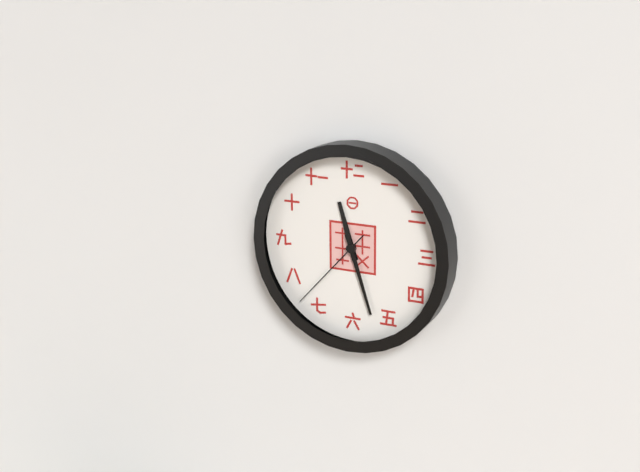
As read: 11:27:37
